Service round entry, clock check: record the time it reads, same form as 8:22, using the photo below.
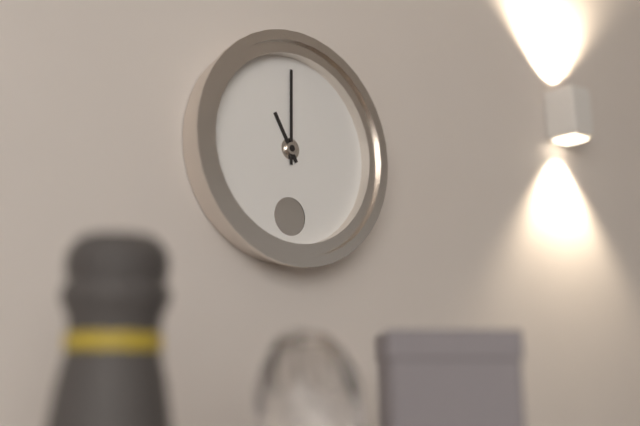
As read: 11:00
